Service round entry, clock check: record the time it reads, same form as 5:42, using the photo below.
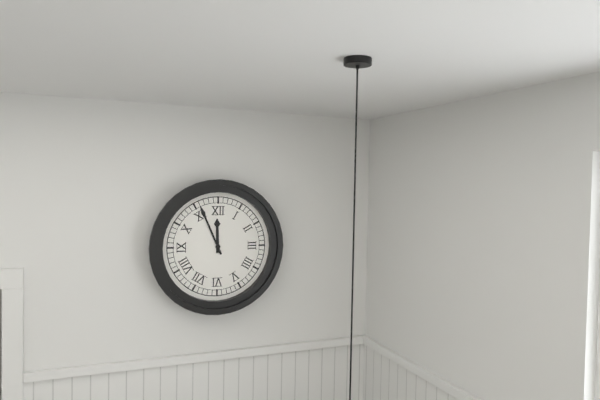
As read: 11:56
